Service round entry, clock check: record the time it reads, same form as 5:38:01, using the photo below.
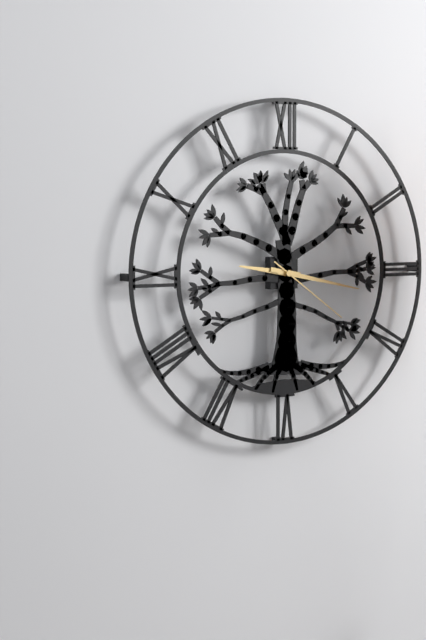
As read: 9:17:21
